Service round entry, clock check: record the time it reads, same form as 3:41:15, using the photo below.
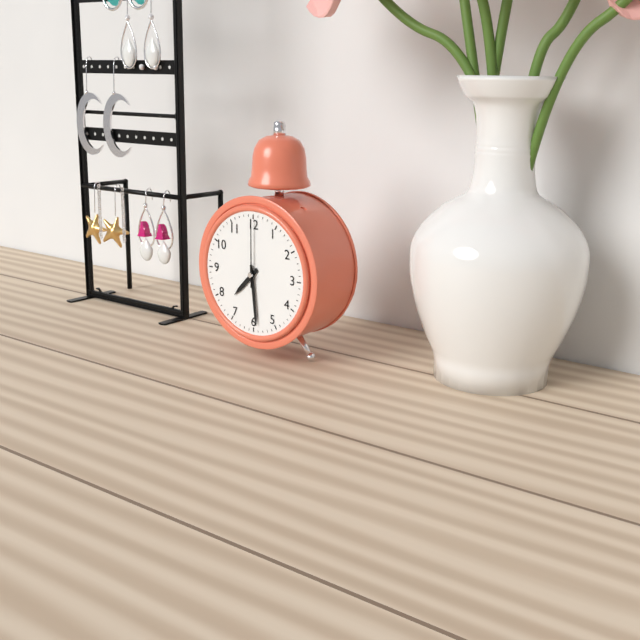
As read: 7:29:00
